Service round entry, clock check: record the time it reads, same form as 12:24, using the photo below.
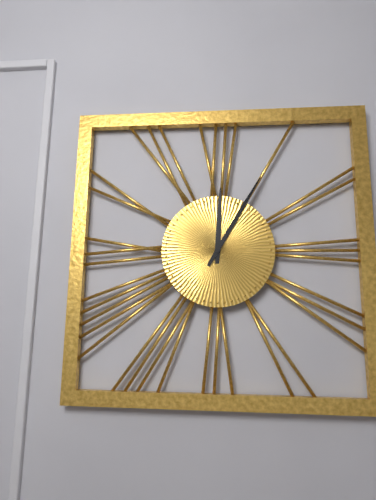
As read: 12:05
